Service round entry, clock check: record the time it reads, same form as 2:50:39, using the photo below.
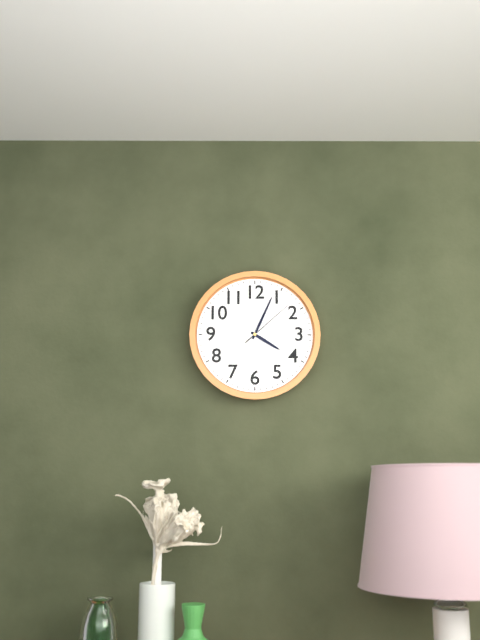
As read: 4:04:08
